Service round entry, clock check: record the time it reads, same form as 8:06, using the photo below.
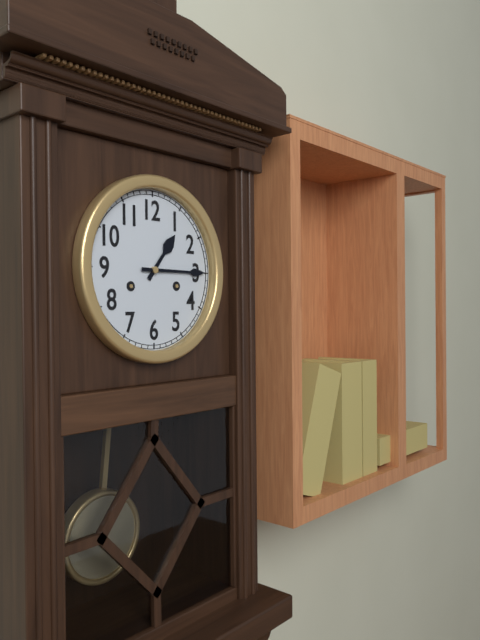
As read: 1:15
